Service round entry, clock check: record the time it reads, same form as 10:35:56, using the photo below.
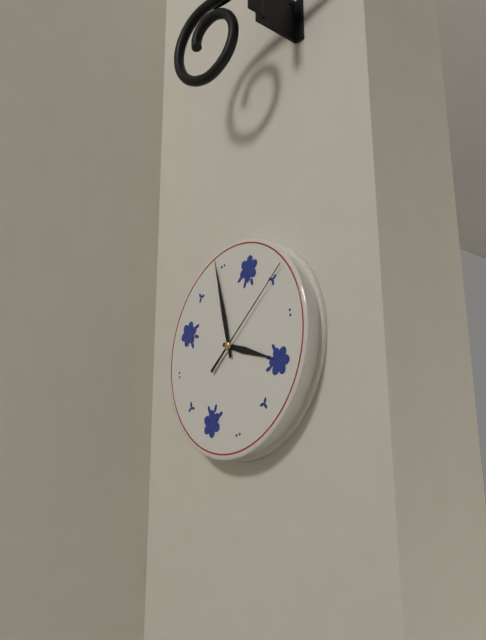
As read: 3:59:10
